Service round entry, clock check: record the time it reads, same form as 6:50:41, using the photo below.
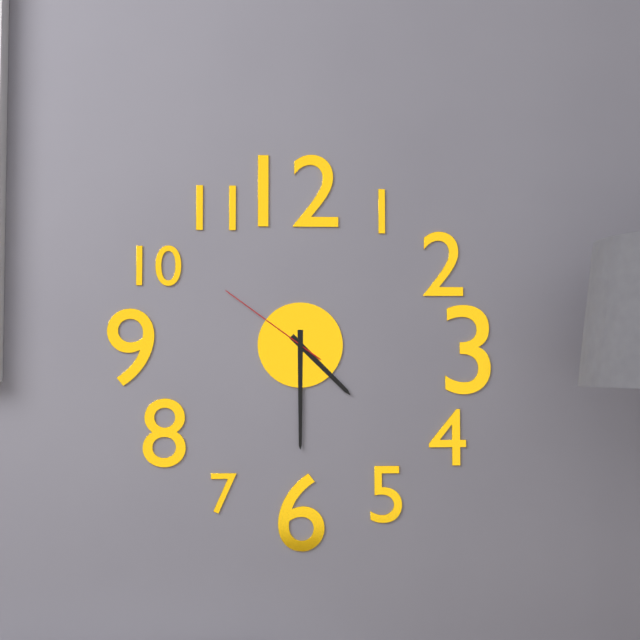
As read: 4:30:51
